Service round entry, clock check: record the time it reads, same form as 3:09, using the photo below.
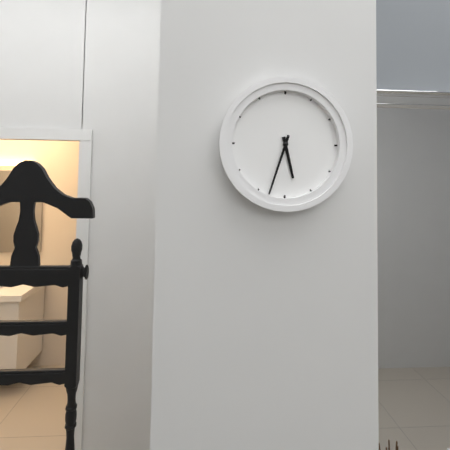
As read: 5:33
